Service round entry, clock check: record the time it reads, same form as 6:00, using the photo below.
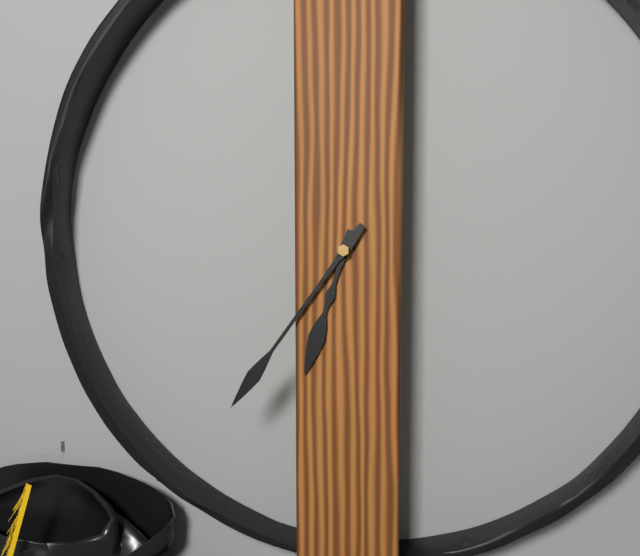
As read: 6:36
